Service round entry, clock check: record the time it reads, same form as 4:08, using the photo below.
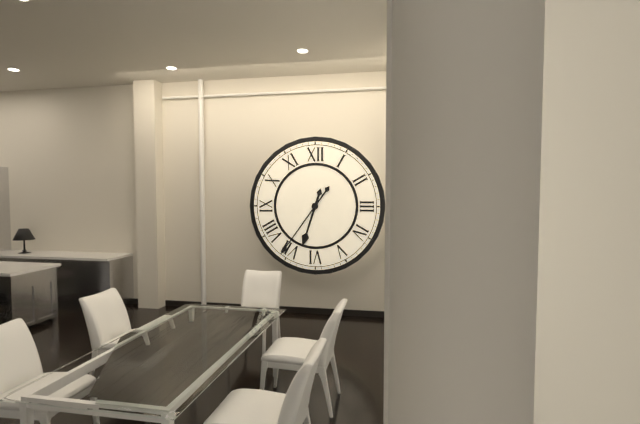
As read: 6:36
